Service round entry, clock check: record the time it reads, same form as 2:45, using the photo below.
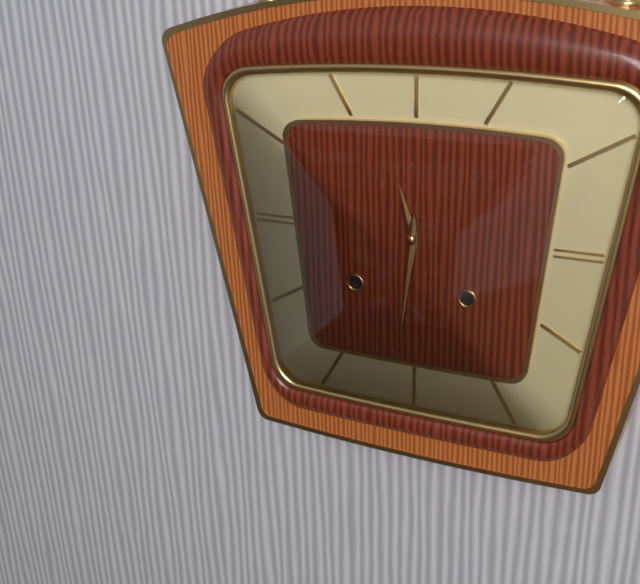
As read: 11:31
